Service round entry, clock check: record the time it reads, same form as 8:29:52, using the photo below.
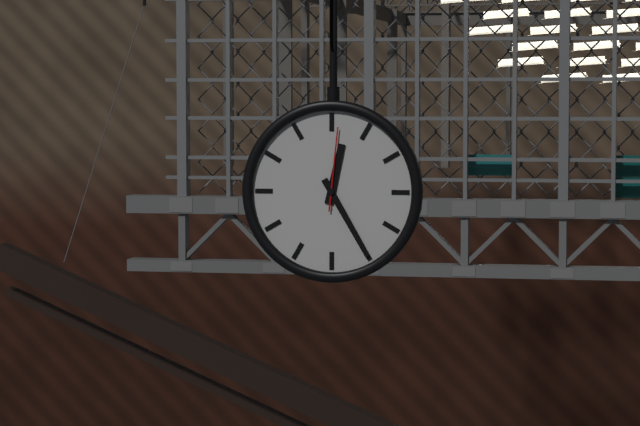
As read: 12:25:01
